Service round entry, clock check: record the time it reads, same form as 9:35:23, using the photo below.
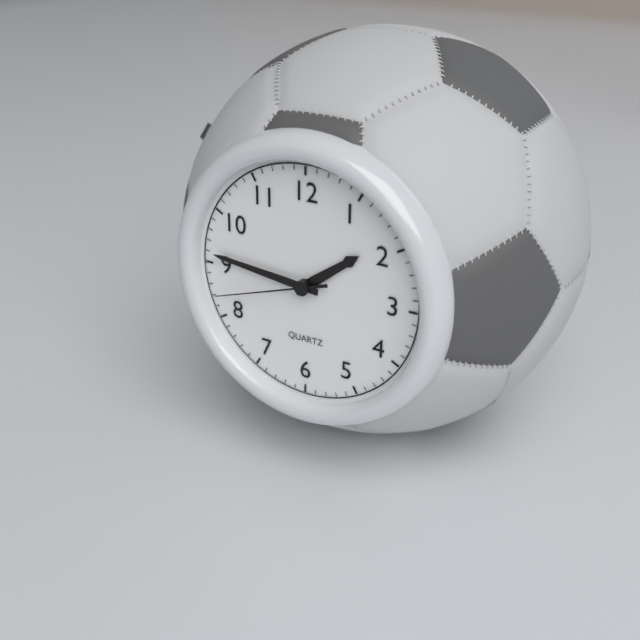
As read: 1:46:42
